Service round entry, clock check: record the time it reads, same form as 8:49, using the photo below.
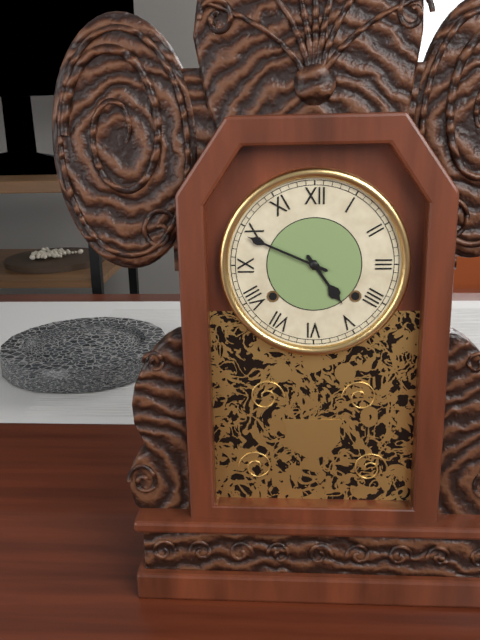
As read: 4:49
